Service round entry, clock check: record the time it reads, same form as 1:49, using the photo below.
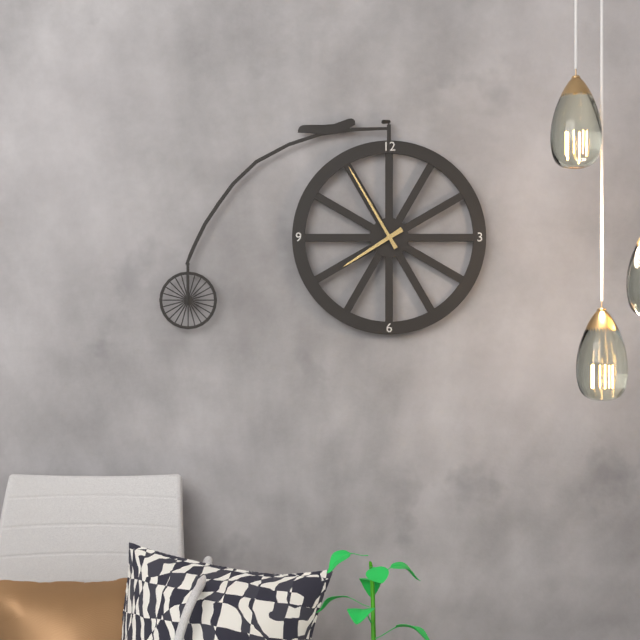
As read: 7:55
